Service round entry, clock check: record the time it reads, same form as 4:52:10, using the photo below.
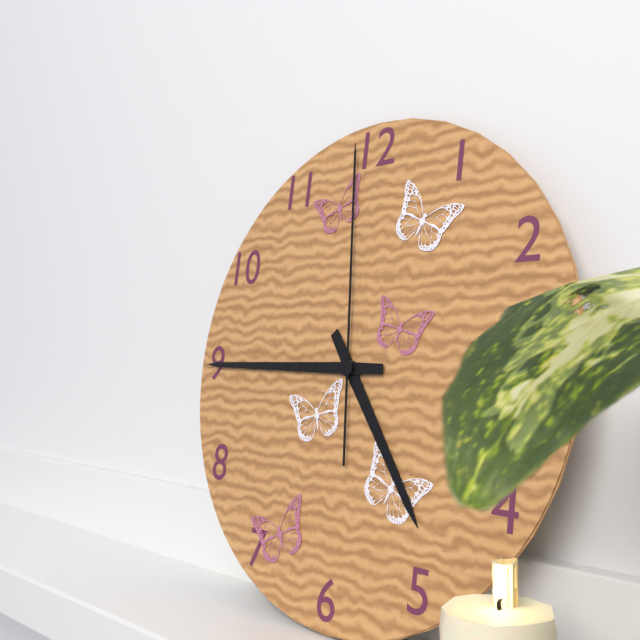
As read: 4:45:59
